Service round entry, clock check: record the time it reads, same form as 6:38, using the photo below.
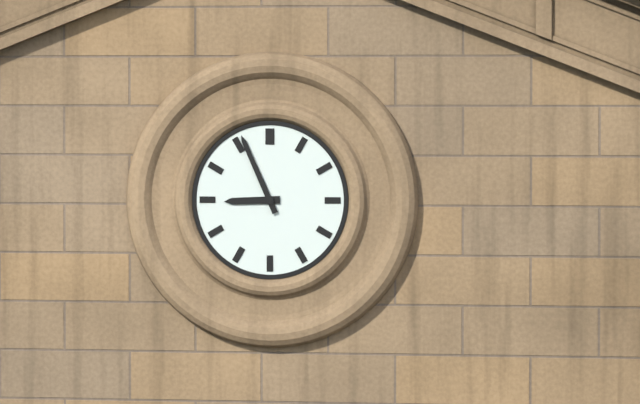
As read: 8:56
